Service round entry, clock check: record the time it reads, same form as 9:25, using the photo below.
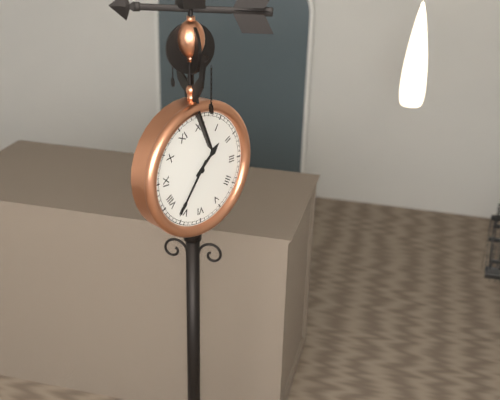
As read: 1:36
